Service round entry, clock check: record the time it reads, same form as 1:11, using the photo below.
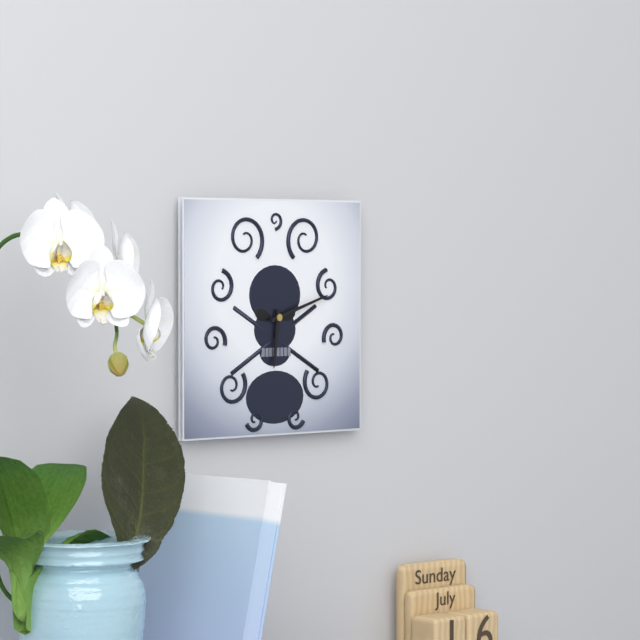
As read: 6:12
